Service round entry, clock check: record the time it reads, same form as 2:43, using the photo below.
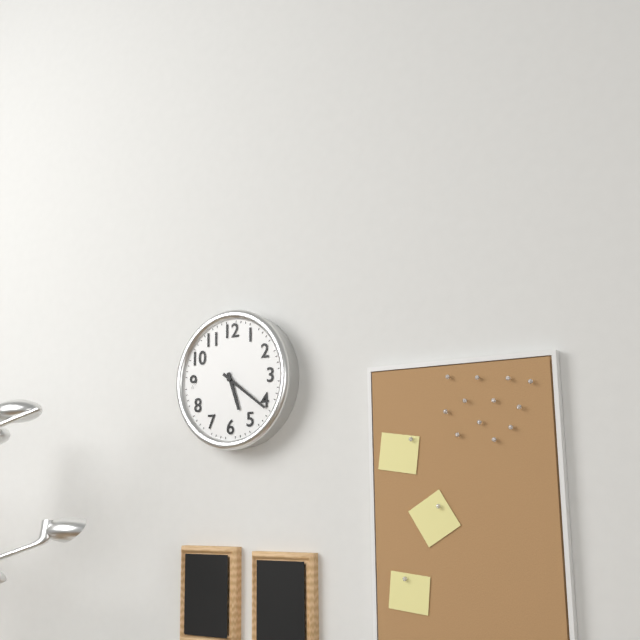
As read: 5:21
